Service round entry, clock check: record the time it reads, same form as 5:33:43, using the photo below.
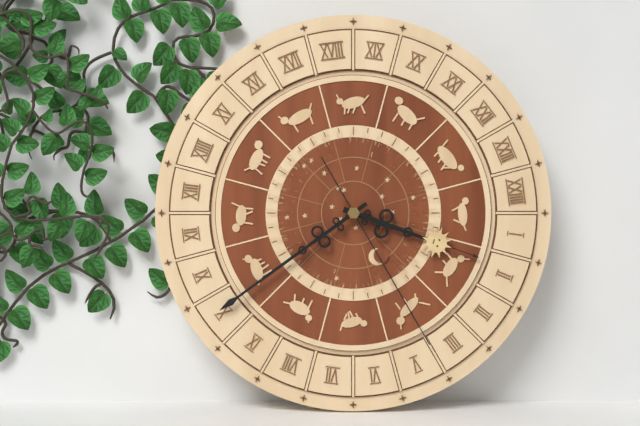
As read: 3:39:25
